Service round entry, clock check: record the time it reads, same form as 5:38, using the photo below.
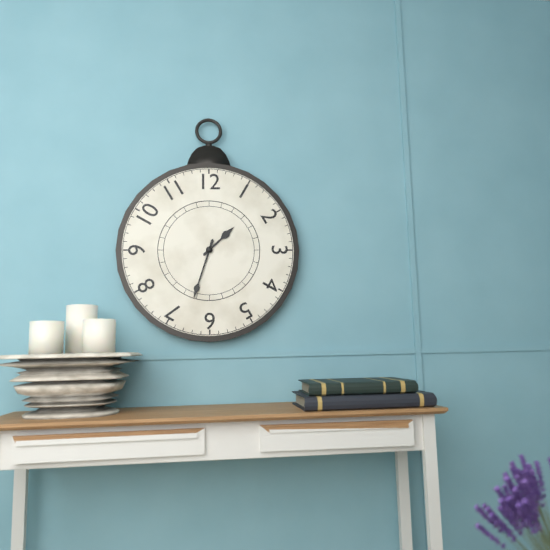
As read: 1:33
